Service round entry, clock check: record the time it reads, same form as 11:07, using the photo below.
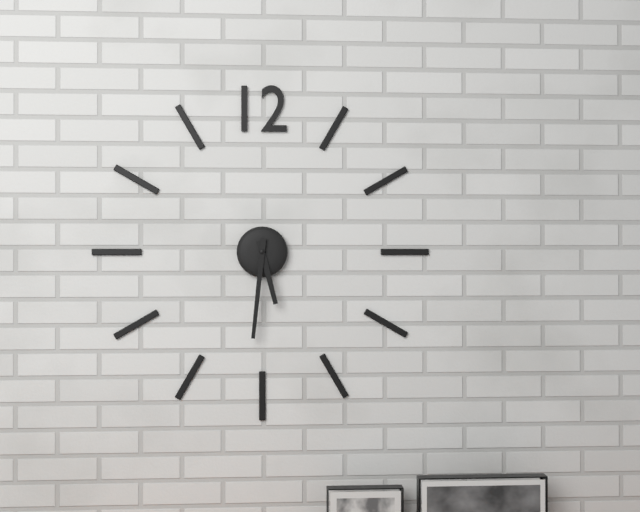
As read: 5:31
